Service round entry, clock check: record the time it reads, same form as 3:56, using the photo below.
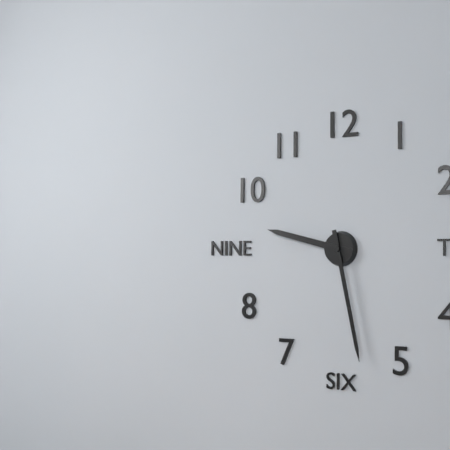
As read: 9:28
